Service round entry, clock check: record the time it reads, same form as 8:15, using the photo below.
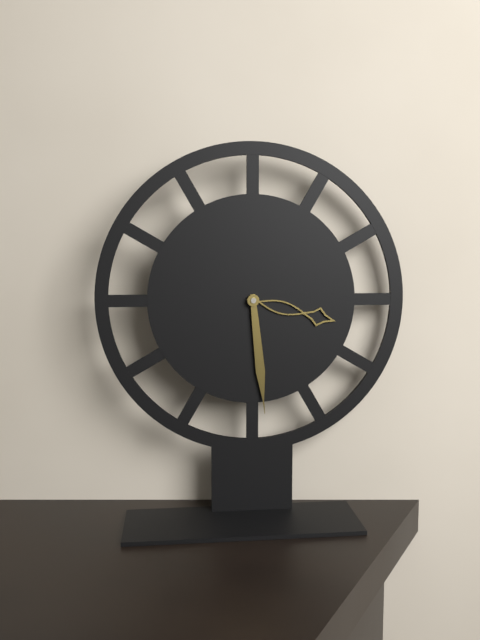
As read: 3:29
